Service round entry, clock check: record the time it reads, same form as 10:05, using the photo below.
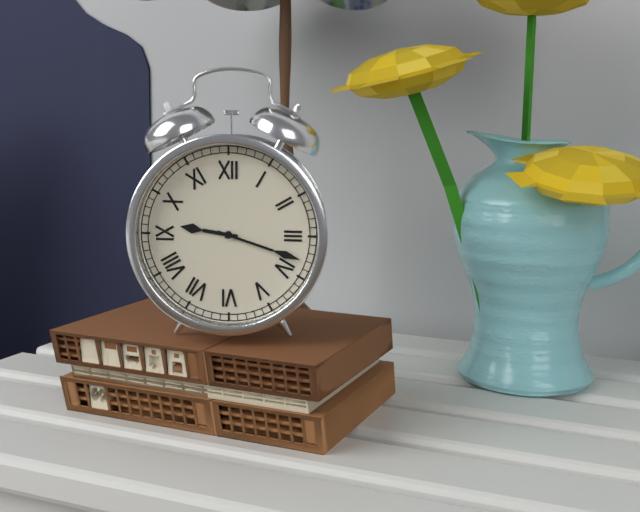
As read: 9:18
